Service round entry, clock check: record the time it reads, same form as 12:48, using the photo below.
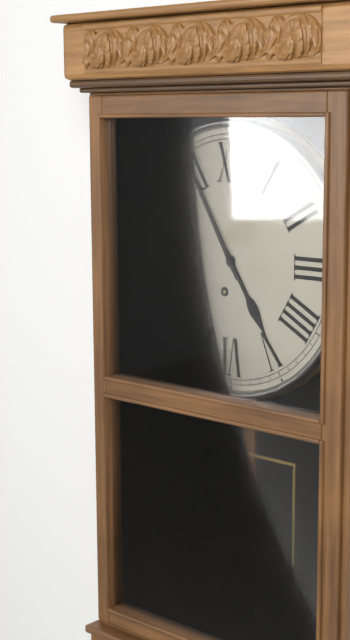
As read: 4:55
